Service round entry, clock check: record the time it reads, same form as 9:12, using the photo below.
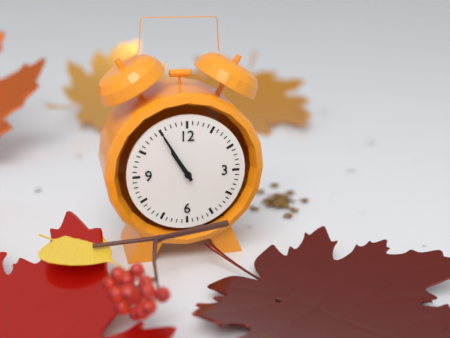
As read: 10:55
